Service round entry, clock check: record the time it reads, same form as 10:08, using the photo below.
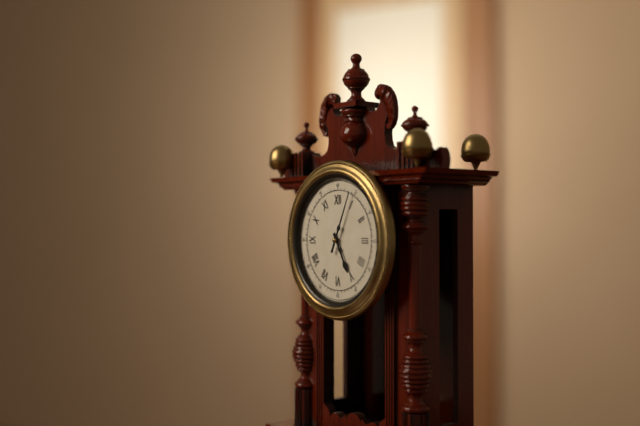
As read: 5:04
